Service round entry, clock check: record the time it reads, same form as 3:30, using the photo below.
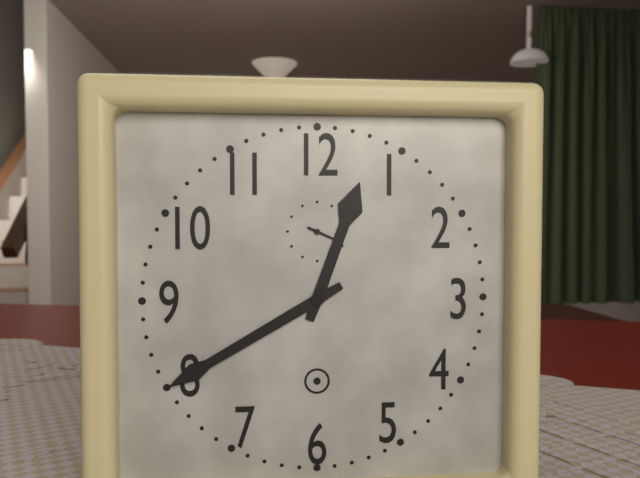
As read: 12:40
